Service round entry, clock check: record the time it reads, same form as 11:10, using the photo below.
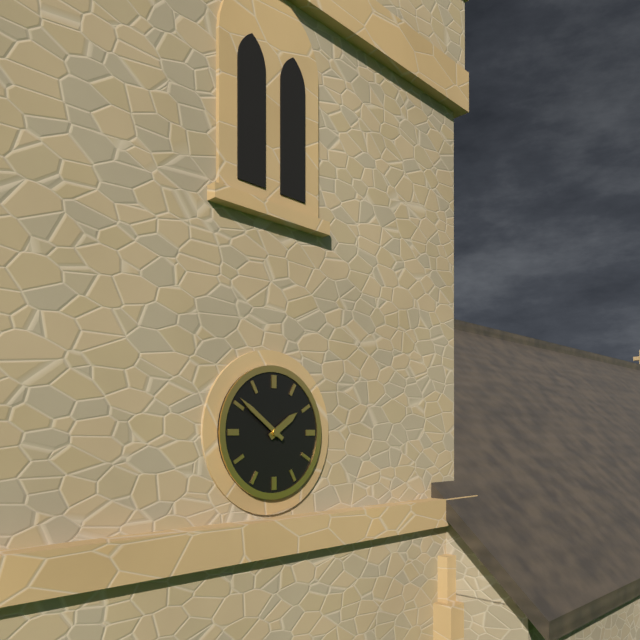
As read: 1:51
